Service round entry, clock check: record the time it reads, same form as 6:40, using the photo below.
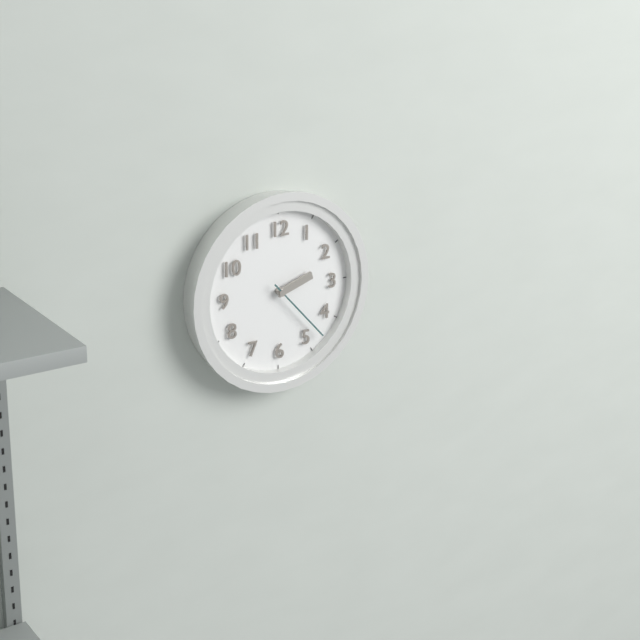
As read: 2:23
